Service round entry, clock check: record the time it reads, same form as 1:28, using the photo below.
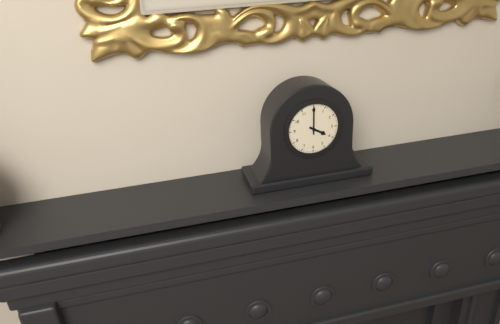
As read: 4:00
